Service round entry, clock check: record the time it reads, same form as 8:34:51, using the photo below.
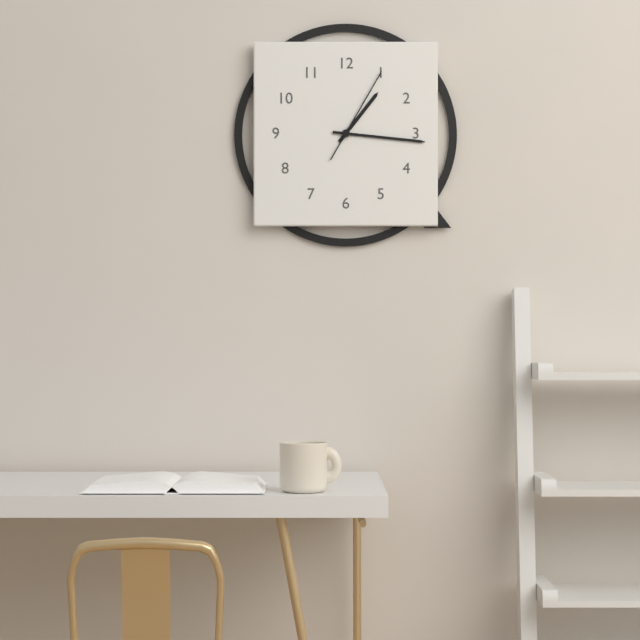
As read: 1:16:05
